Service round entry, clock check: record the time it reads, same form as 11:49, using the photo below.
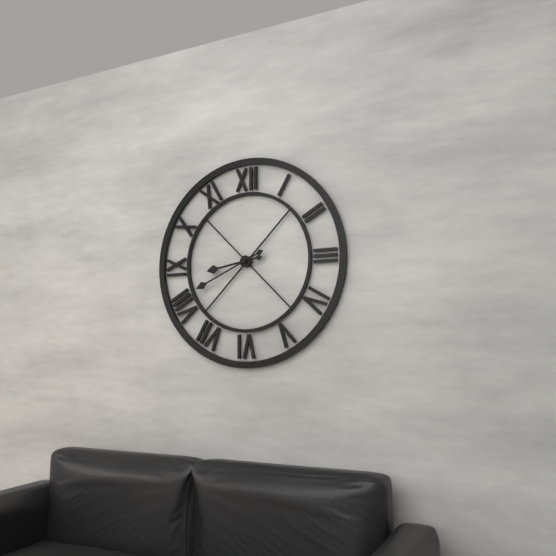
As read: 8:41
